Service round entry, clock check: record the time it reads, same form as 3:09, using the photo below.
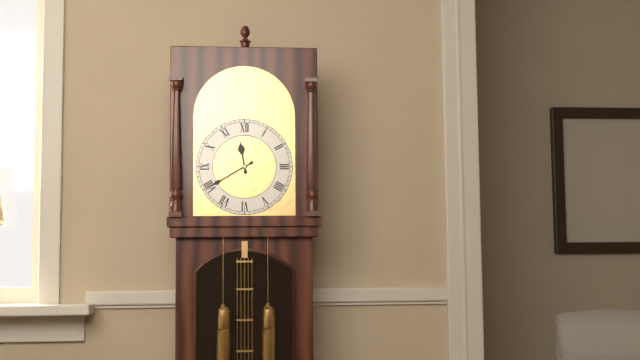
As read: 11:40
